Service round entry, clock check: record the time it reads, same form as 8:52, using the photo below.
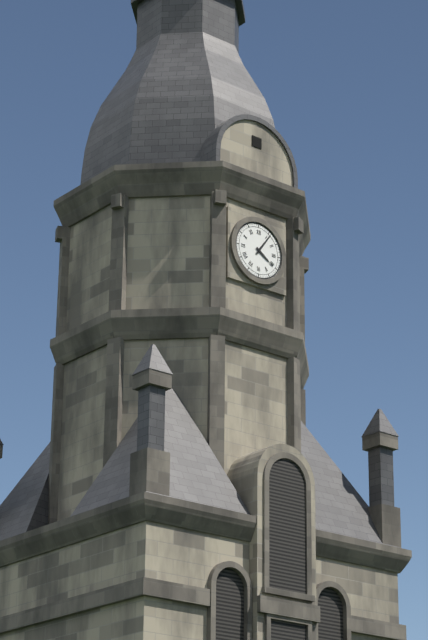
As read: 4:06
